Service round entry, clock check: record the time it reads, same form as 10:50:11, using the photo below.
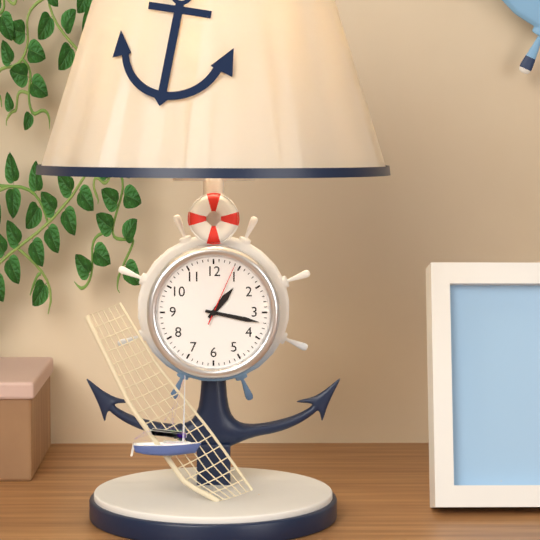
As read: 1:17:04
